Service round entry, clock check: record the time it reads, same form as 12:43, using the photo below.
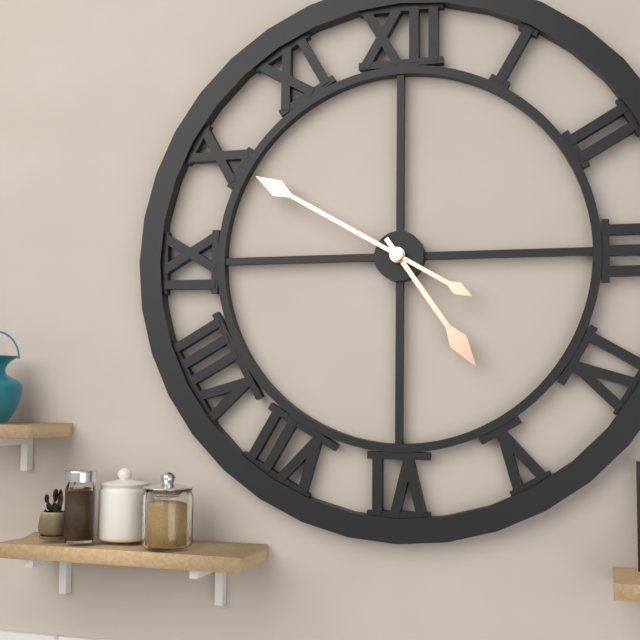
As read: 4:50
